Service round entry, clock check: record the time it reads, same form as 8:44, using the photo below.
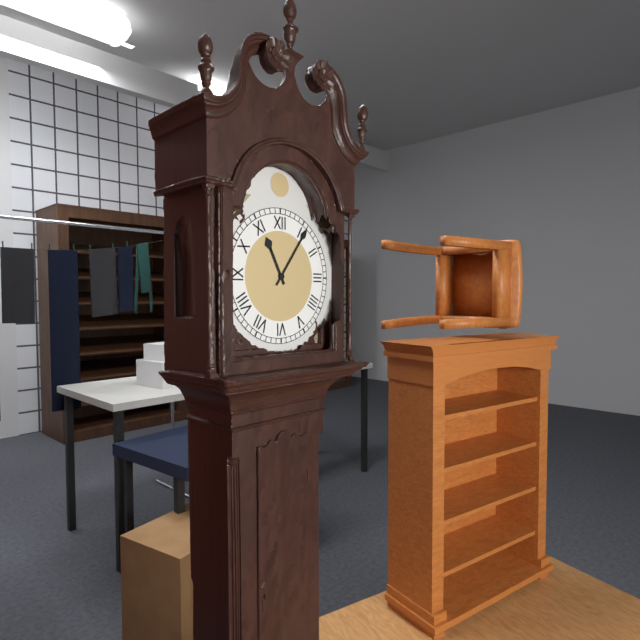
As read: 11:06
